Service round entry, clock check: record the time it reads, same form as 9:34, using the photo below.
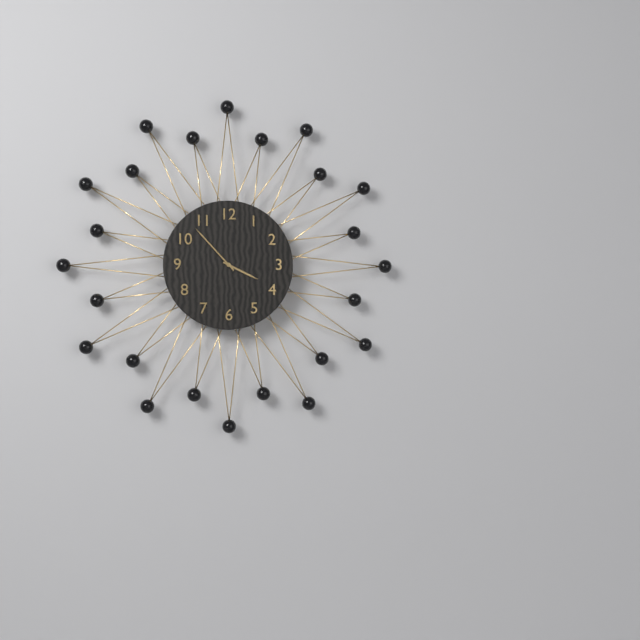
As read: 3:53
